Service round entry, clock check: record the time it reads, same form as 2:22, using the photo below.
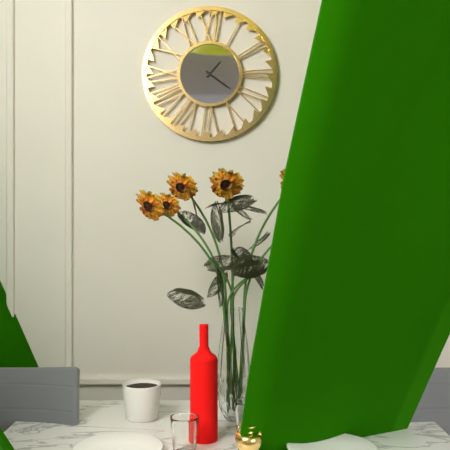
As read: 1:21
